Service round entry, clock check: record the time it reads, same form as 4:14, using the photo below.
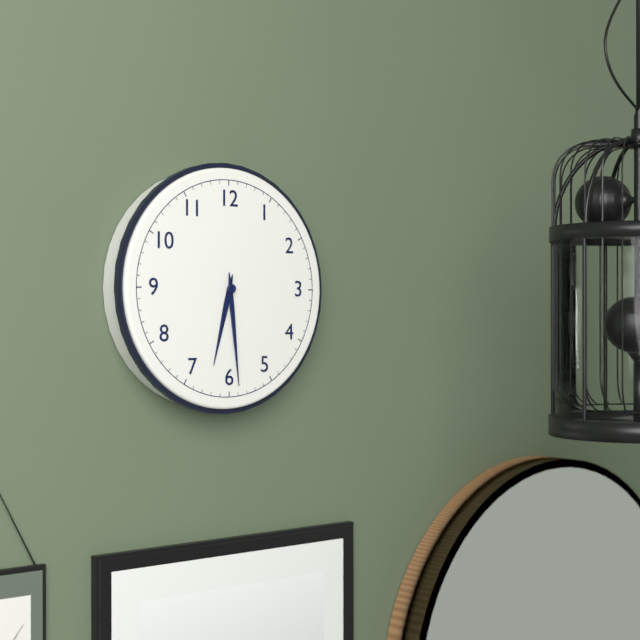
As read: 6:29
